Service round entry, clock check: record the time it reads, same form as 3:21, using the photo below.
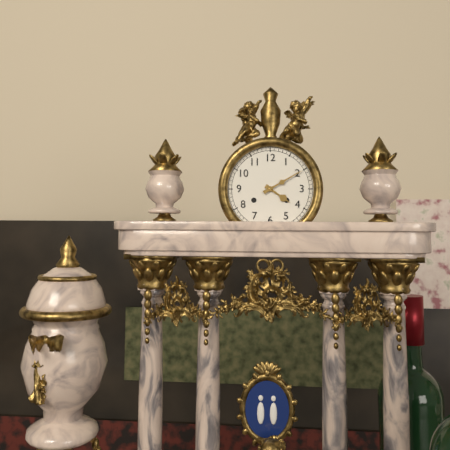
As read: 4:10
